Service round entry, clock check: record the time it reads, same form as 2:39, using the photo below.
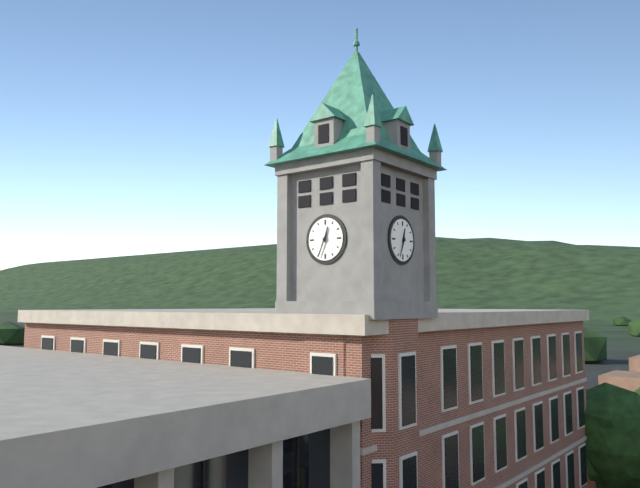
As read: 12:34
